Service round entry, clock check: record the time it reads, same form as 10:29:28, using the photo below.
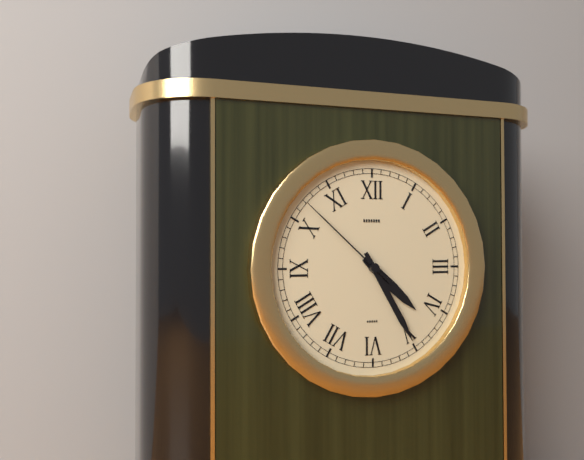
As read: 4:25:52
